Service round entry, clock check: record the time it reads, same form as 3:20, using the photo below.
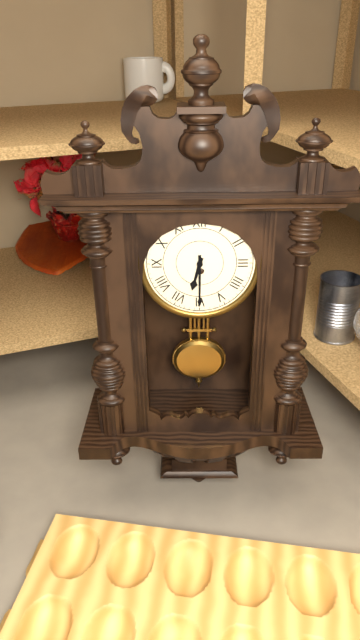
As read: 6:30
